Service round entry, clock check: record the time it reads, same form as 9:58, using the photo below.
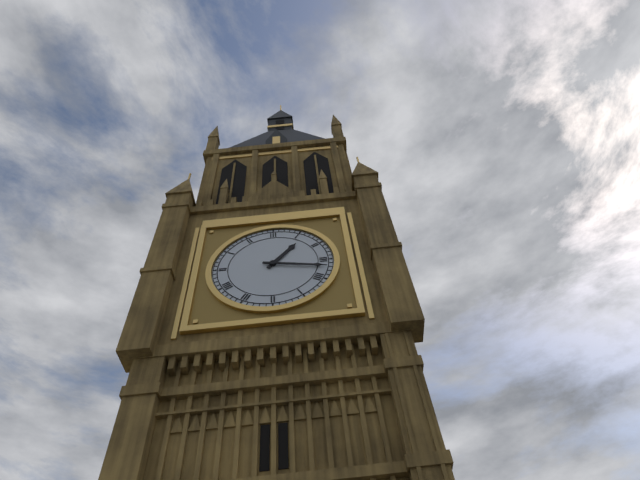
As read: 1:17
